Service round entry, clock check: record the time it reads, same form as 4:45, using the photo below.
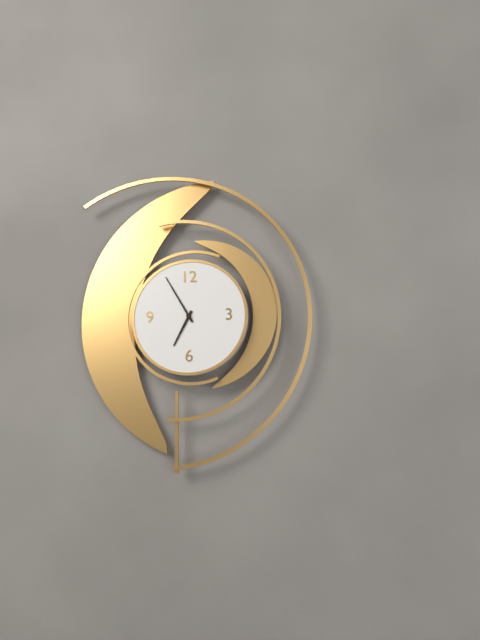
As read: 6:55
